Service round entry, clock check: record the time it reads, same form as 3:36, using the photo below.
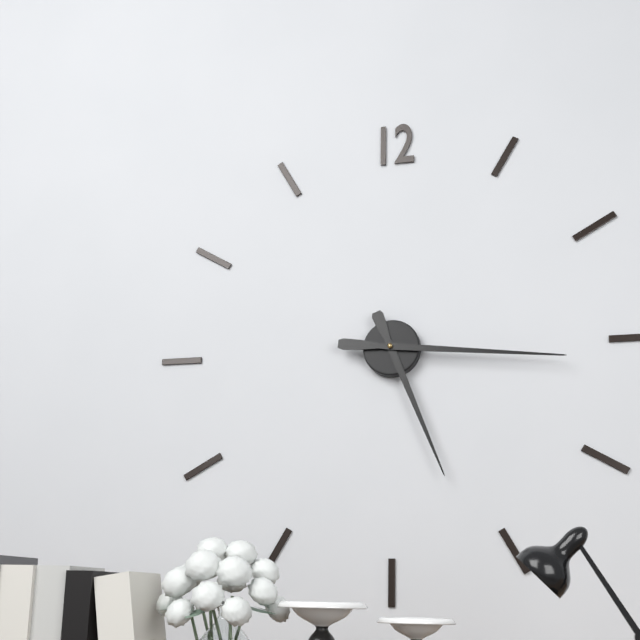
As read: 5:16
